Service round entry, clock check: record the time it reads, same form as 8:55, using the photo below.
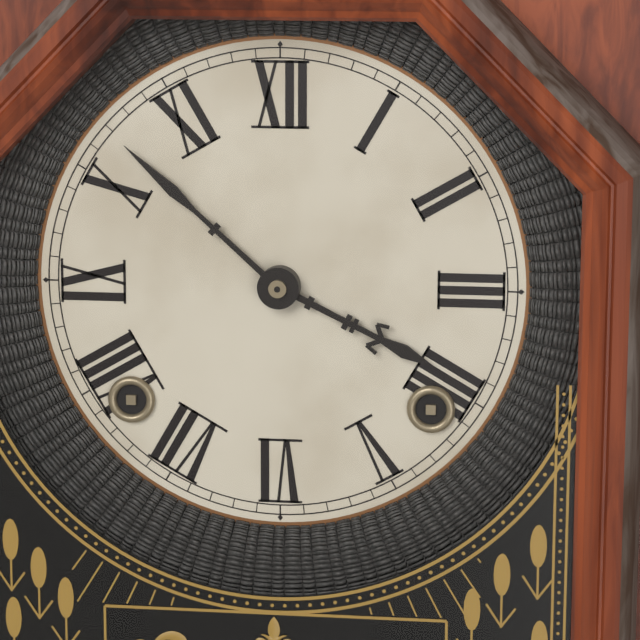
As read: 3:52
